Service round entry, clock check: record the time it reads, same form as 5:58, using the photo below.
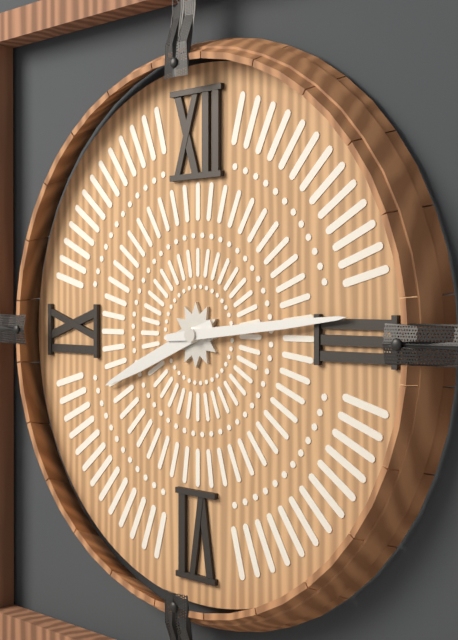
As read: 8:14
